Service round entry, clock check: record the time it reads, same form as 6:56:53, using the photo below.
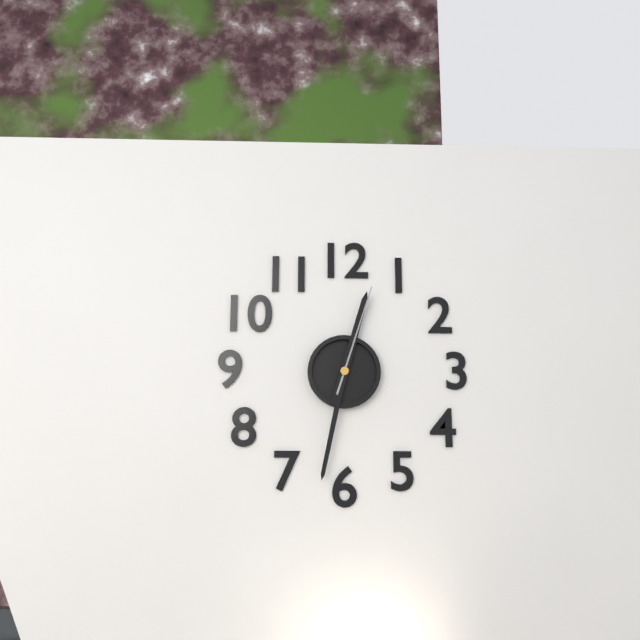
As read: 12:32:03
